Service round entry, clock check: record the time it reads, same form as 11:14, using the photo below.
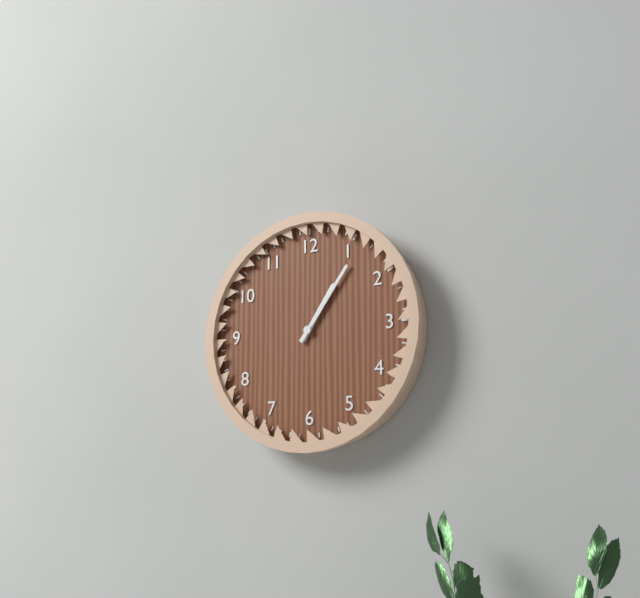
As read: 1:06
